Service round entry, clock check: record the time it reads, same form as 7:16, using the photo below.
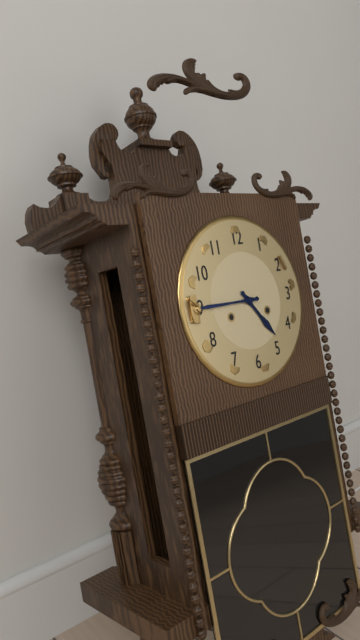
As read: 4:45
